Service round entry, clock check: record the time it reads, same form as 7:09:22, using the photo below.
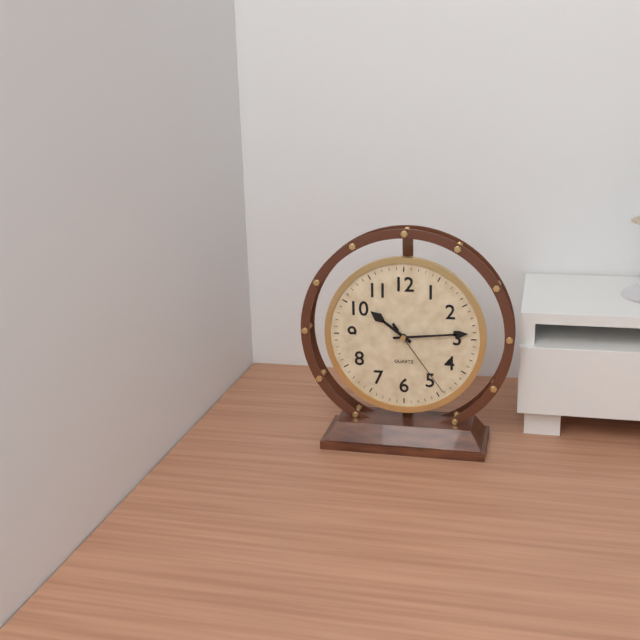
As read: 10:14:24
